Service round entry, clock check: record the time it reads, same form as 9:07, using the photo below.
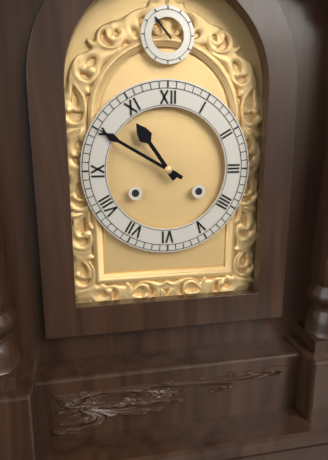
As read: 10:50
